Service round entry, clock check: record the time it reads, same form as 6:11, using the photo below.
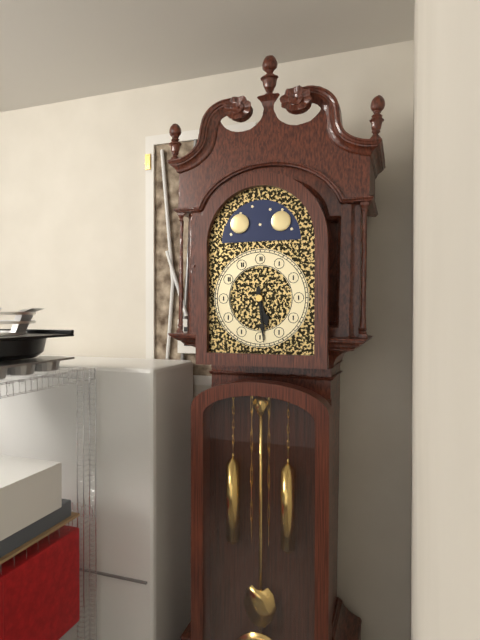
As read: 5:29
